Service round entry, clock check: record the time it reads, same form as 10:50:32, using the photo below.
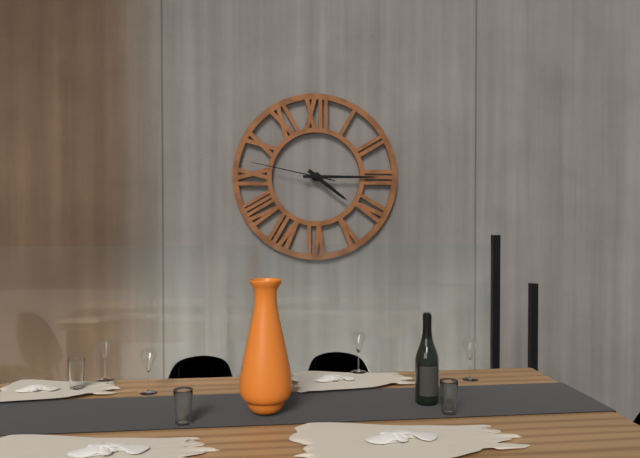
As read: 4:15:47
